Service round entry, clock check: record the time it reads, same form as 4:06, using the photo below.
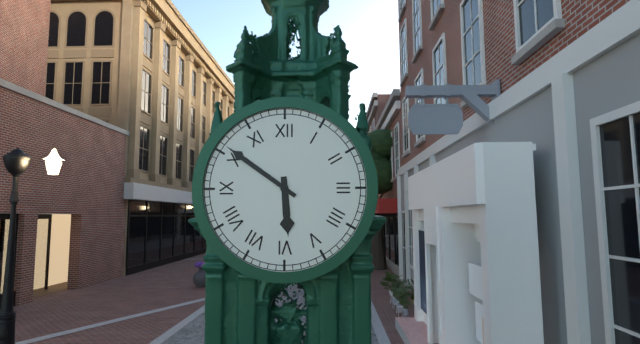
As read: 5:51
